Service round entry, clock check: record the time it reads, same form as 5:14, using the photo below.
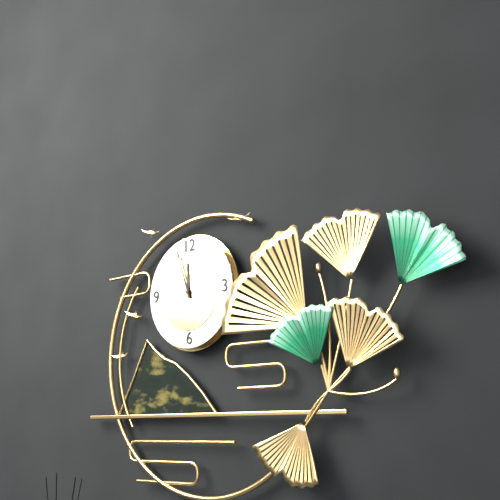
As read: 11:57
